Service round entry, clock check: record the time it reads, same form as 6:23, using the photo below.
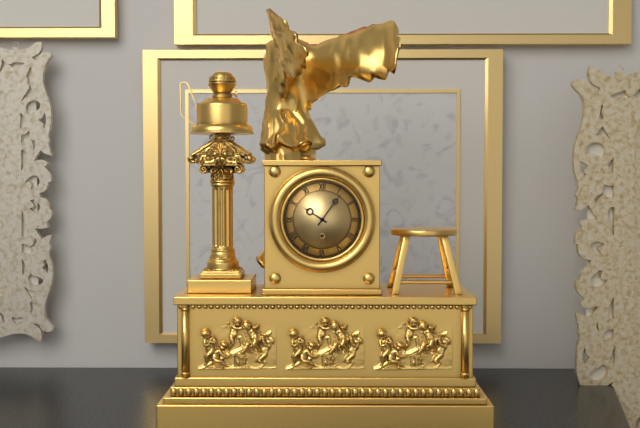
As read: 10:06
